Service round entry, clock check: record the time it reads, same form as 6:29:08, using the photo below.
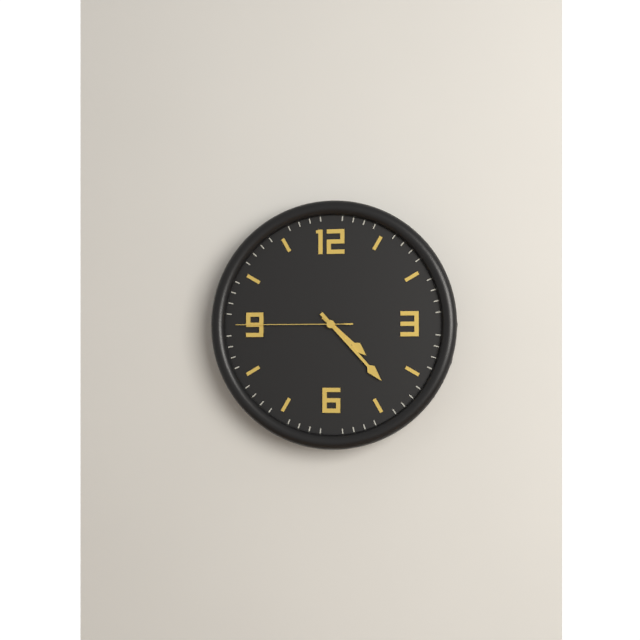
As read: 4:23:45
